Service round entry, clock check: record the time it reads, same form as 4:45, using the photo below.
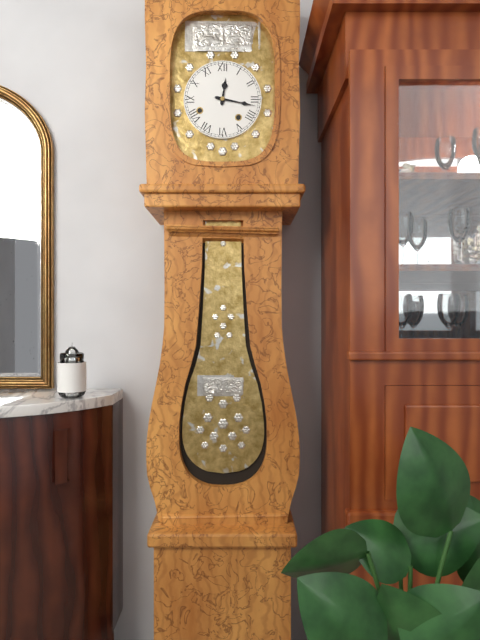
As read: 12:17
